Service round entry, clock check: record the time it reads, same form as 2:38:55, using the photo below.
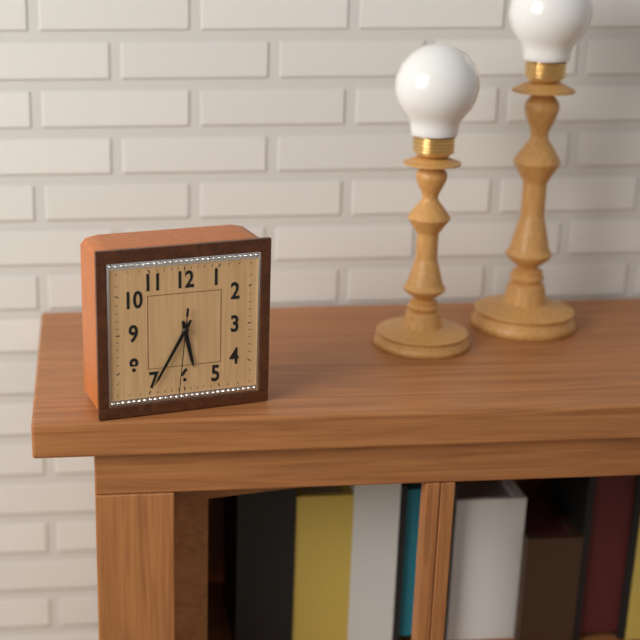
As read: 5:35:31
